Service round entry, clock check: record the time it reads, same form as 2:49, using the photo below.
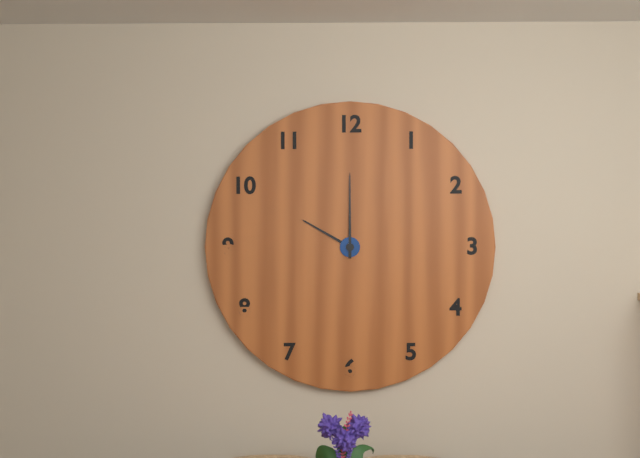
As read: 10:00
